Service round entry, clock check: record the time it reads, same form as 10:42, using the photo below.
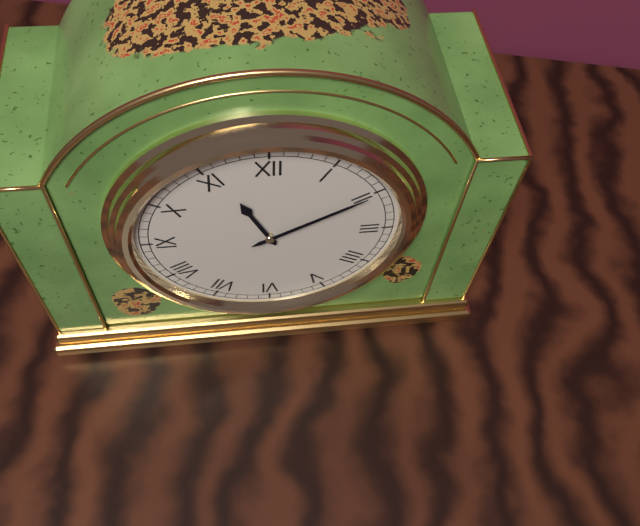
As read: 11:10
